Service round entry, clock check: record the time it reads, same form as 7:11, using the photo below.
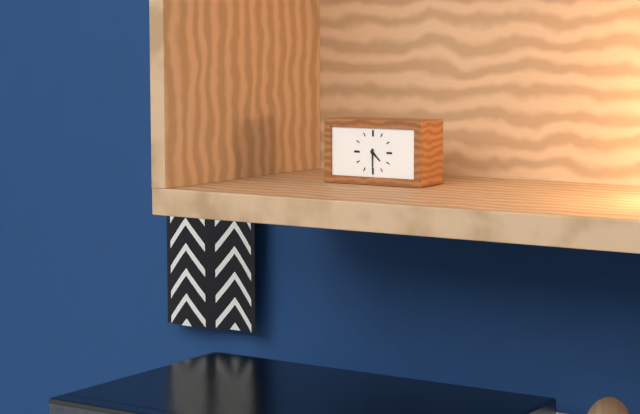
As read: 4:30
